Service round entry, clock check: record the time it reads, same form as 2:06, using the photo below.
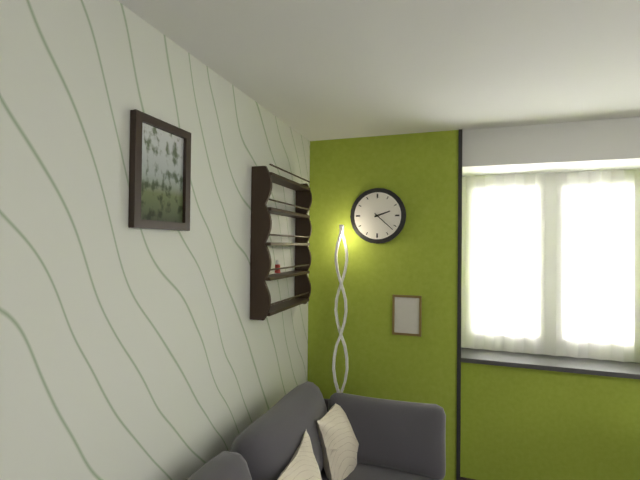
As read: 2:22
